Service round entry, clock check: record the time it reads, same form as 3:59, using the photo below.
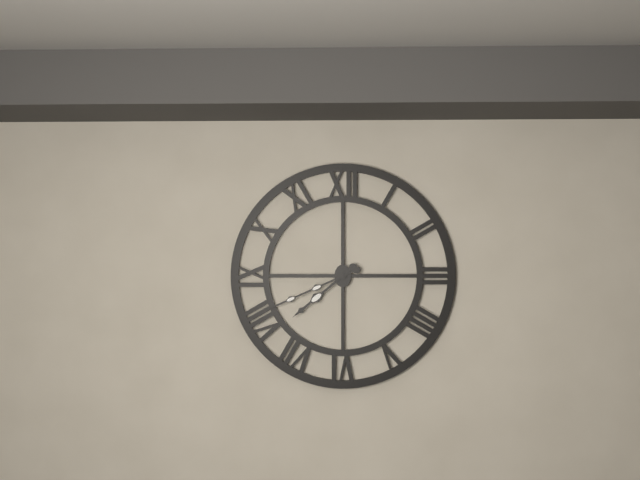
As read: 7:41
